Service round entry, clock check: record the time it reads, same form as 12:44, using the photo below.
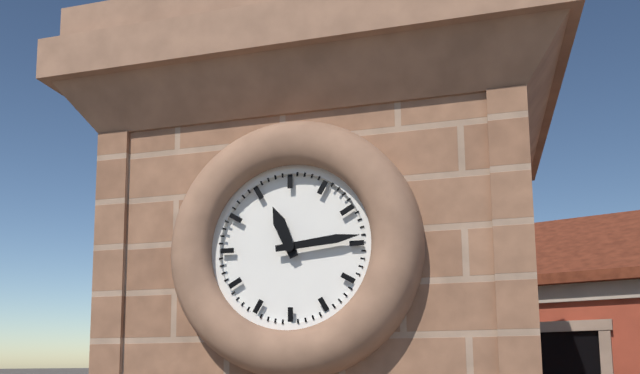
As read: 11:14
